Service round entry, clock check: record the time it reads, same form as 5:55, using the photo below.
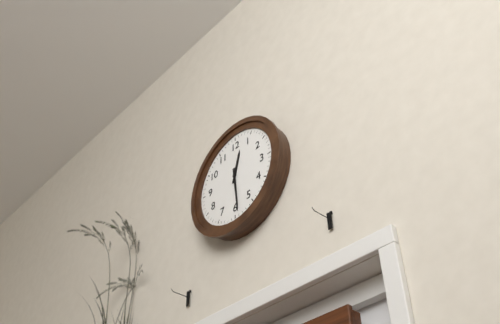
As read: 12:29
